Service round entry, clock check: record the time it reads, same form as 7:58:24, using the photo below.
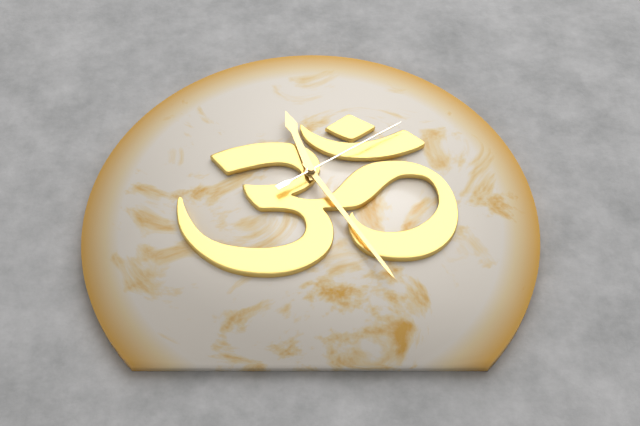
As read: 11:25:09
